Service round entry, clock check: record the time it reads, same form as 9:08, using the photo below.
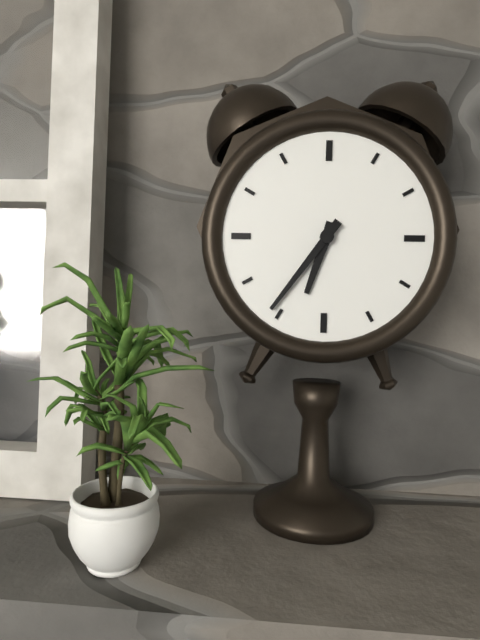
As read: 6:36
